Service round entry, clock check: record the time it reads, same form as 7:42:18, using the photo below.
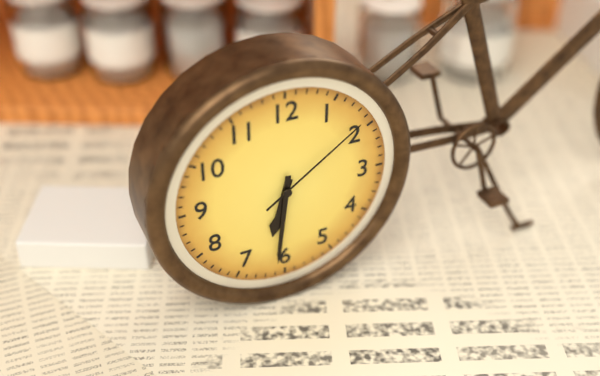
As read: 6:31:09
